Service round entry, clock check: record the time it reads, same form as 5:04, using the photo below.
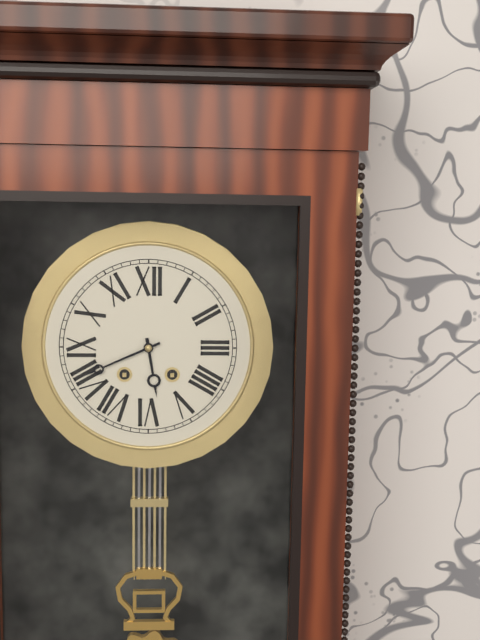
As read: 5:41
